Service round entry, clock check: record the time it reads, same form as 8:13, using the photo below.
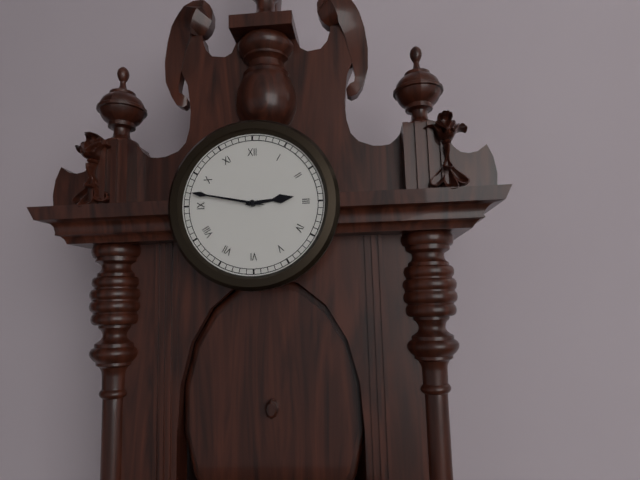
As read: 2:47
